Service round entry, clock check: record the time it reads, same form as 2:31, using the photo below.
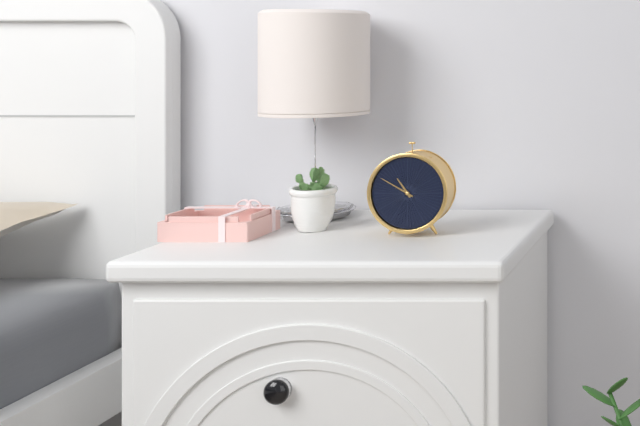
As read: 10:50
